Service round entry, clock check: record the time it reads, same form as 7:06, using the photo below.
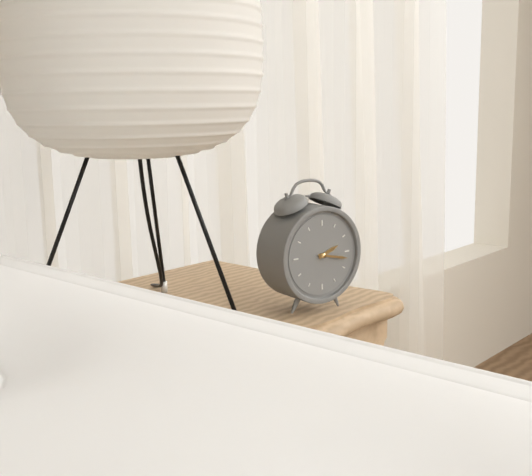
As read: 2:17
